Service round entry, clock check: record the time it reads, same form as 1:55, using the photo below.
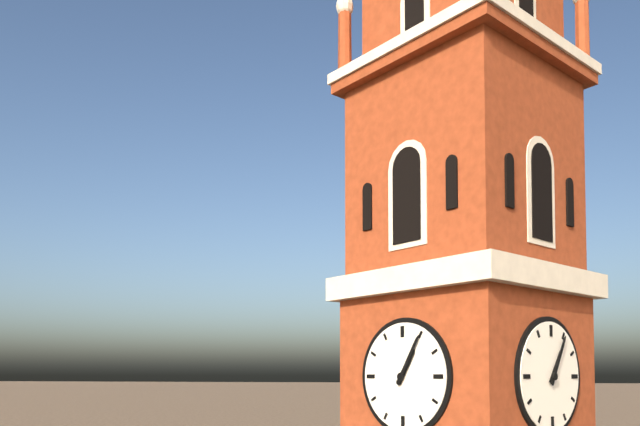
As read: 1:05
